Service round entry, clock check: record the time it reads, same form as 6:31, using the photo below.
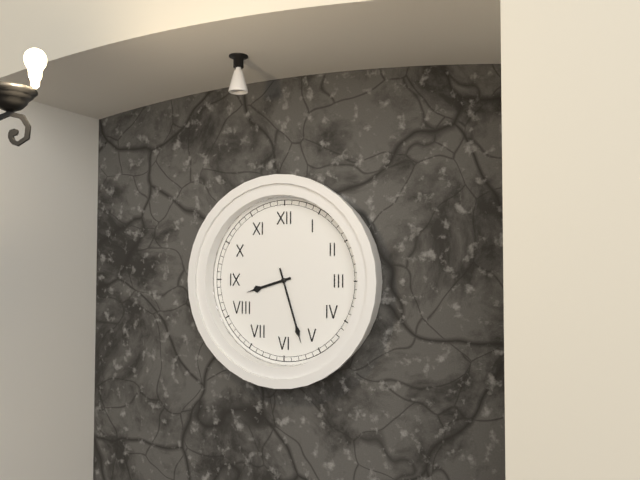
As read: 8:27
